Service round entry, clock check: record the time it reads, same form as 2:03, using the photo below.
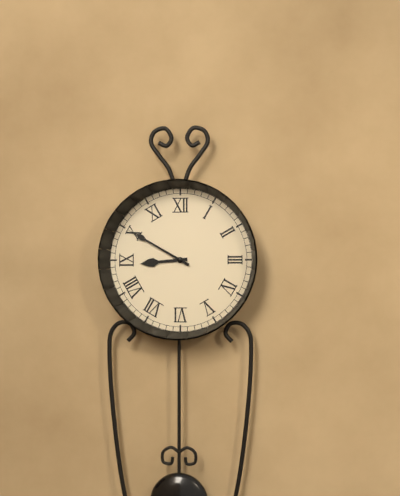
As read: 8:50
